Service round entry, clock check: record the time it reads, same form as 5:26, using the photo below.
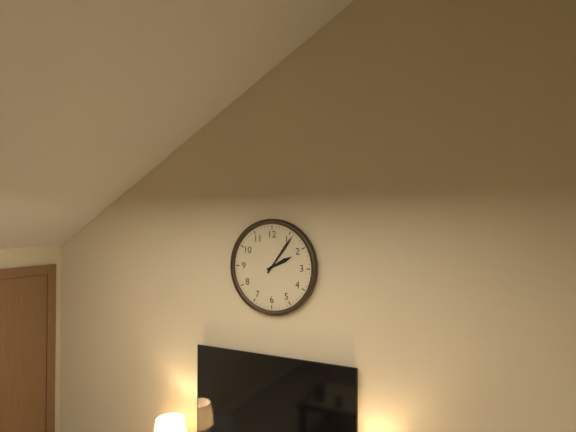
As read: 2:06
